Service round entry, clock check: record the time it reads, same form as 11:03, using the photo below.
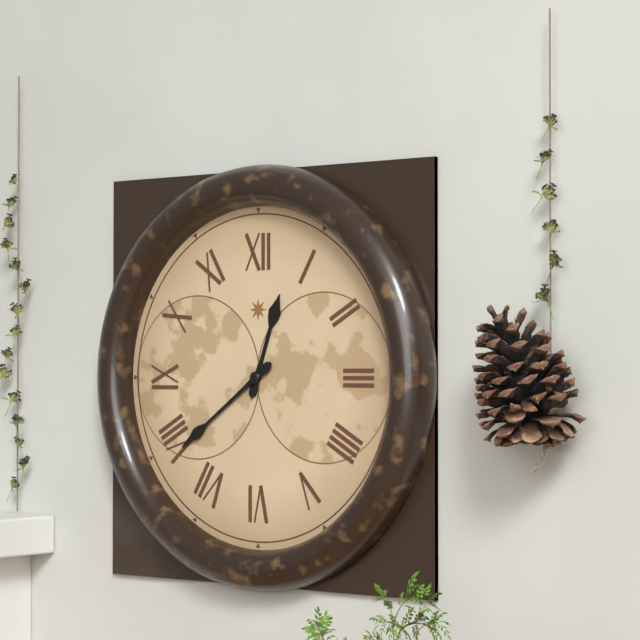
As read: 12:39
